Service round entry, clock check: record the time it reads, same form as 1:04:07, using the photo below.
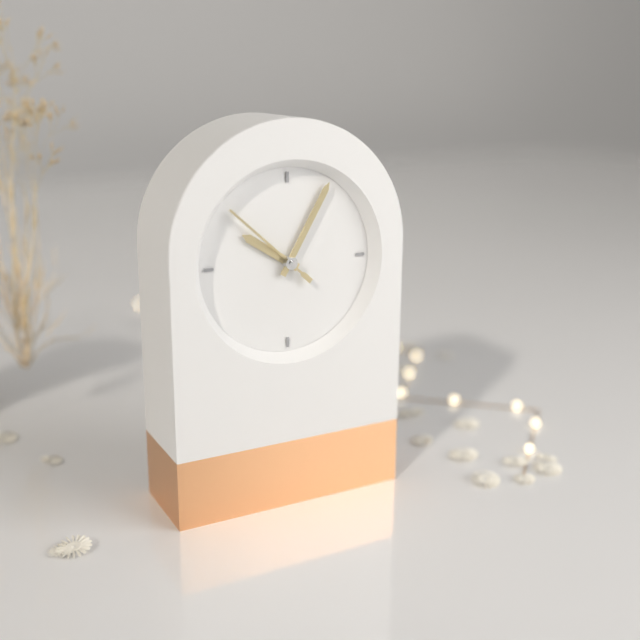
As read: 10:05:52
